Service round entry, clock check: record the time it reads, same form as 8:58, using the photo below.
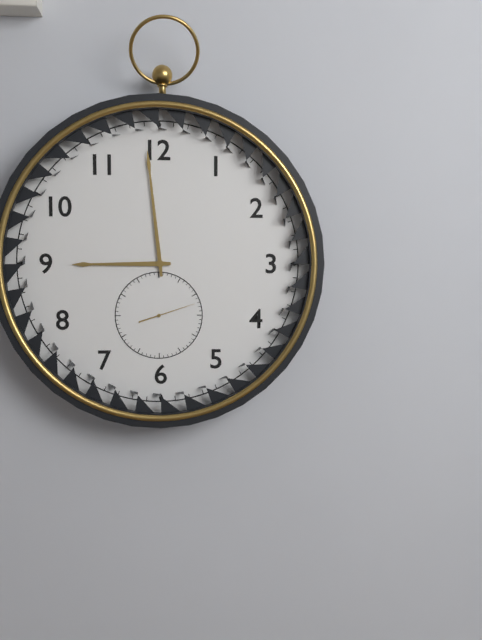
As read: 8:59
